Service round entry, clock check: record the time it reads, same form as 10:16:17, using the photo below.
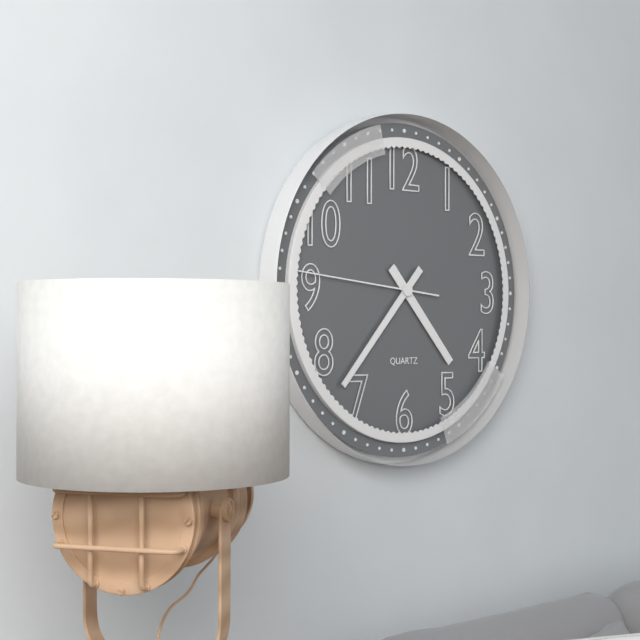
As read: 4:37:46
